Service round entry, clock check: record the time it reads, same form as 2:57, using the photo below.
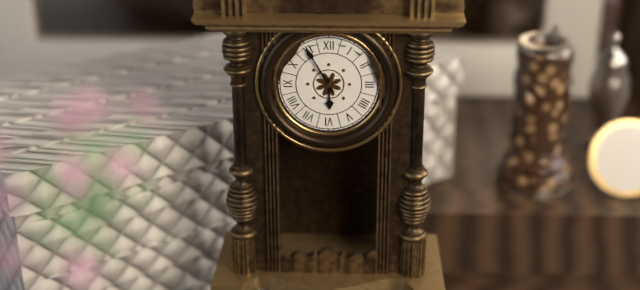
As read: 5:55
